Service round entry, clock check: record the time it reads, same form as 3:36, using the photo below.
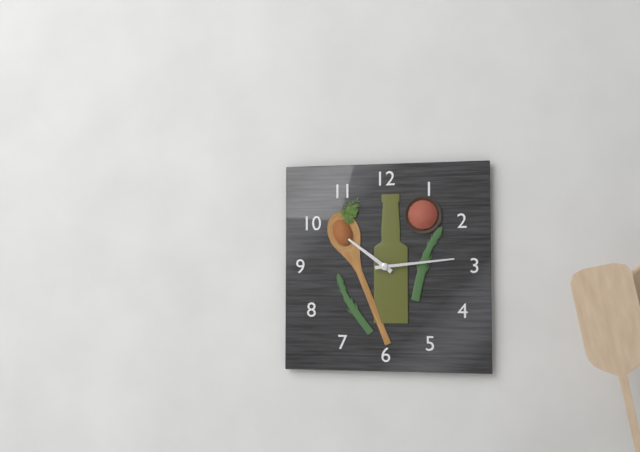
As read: 10:14
